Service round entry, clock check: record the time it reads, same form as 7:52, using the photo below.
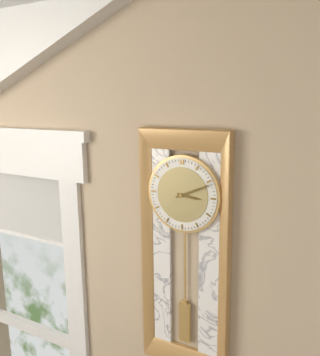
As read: 3:11
